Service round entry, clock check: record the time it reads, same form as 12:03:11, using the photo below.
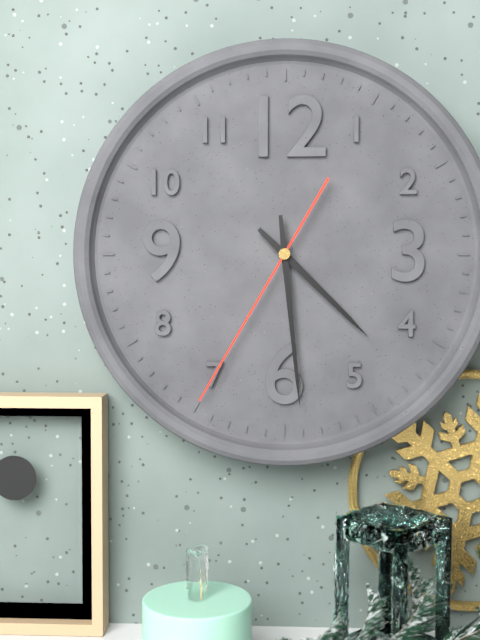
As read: 4:29:35
